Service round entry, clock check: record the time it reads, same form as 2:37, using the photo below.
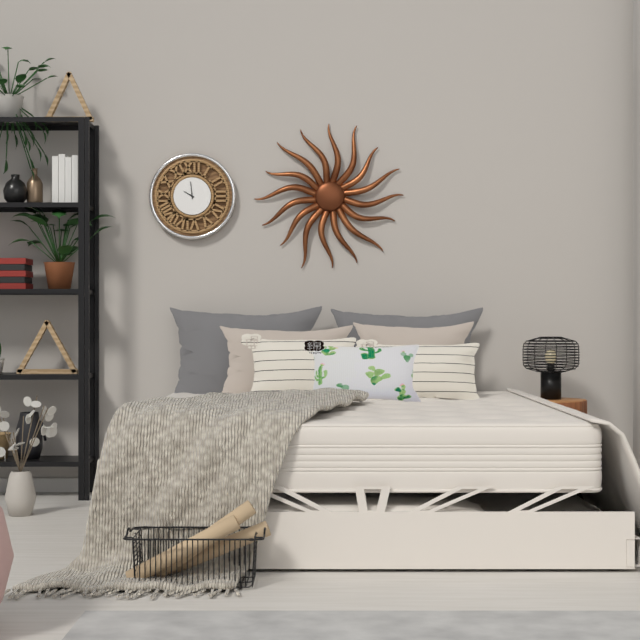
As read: 9:59
